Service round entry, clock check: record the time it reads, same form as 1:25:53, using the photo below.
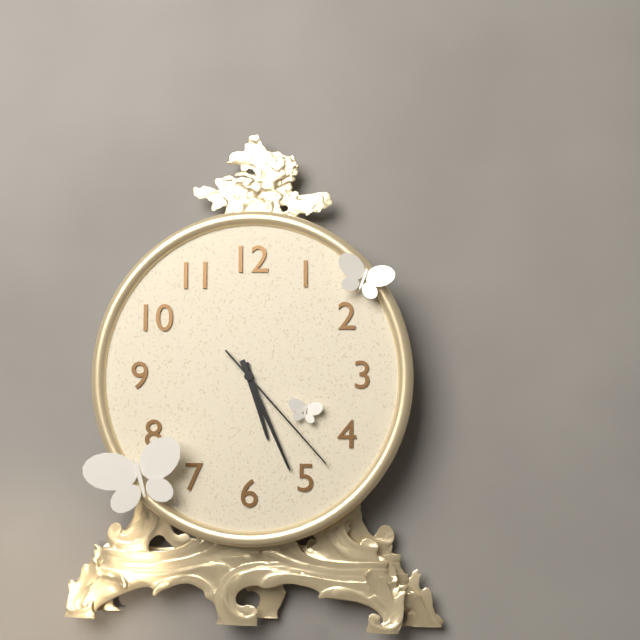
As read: 5:26:23
